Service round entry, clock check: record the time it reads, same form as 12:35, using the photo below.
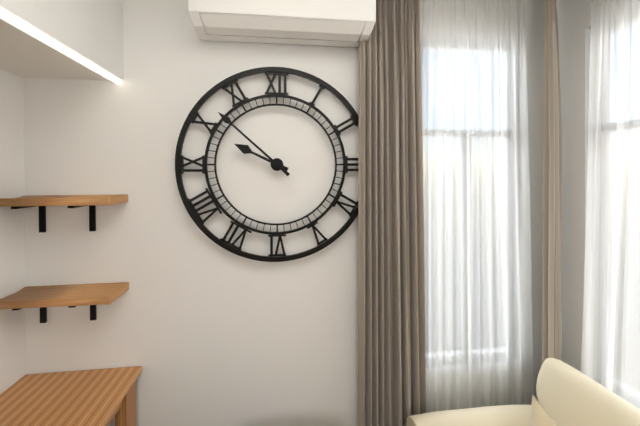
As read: 9:52
